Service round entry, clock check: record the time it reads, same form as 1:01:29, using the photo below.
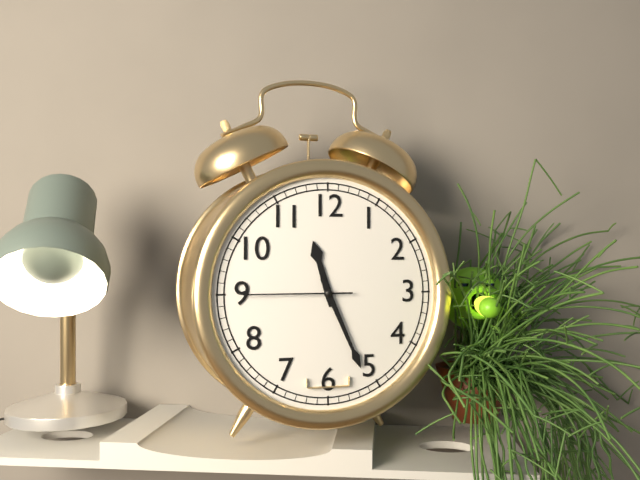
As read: 11:26:45
